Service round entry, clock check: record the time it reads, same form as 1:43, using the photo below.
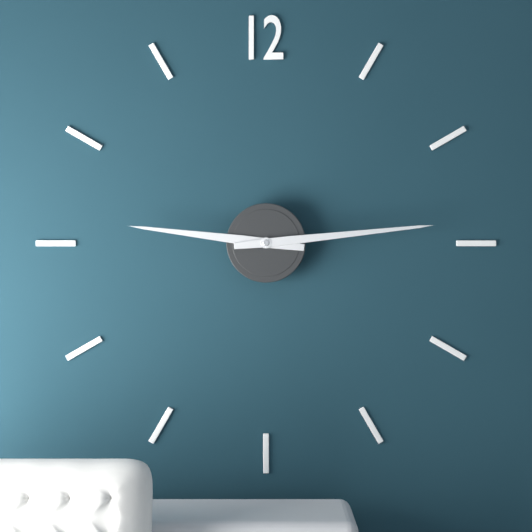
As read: 9:14
